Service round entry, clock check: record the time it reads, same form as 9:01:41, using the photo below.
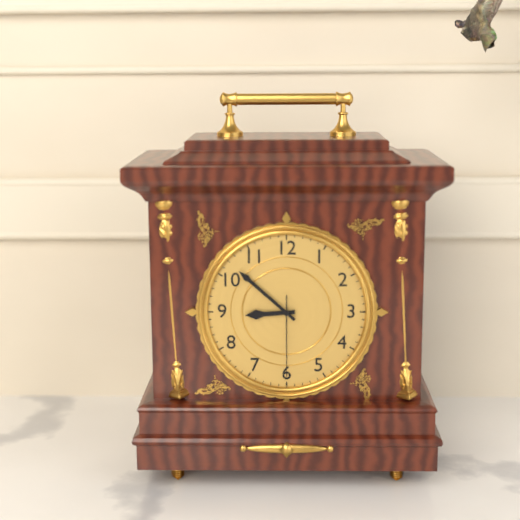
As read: 8:52:30
